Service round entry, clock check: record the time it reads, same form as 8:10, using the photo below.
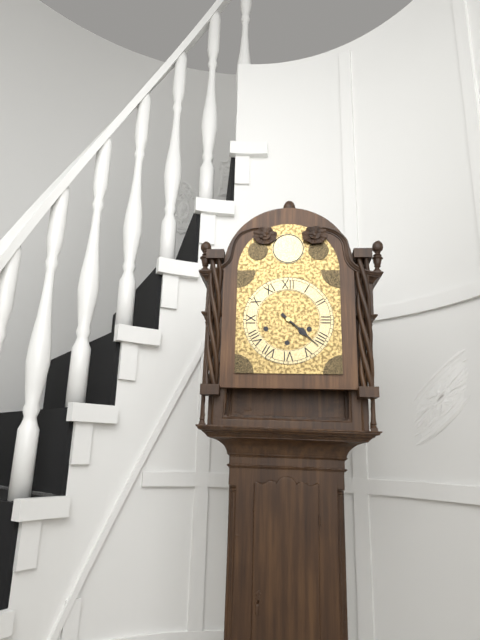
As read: 4:22
